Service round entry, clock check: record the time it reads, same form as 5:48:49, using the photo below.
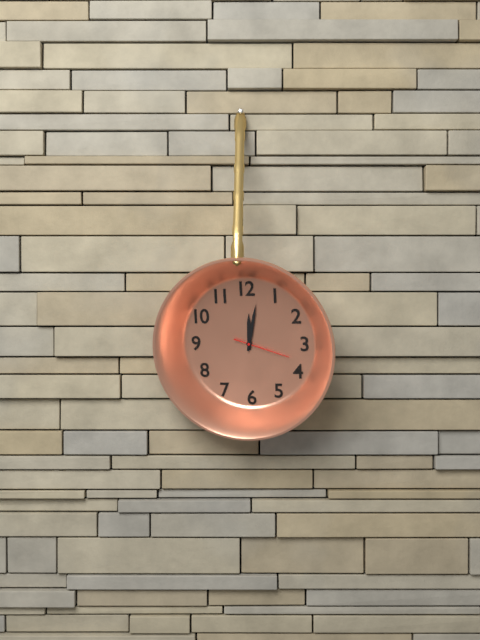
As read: 12:02:18
